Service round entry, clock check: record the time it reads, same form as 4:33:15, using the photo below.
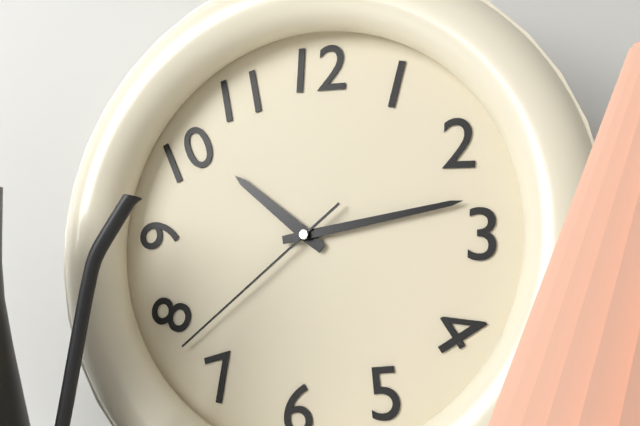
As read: 10:13:38
